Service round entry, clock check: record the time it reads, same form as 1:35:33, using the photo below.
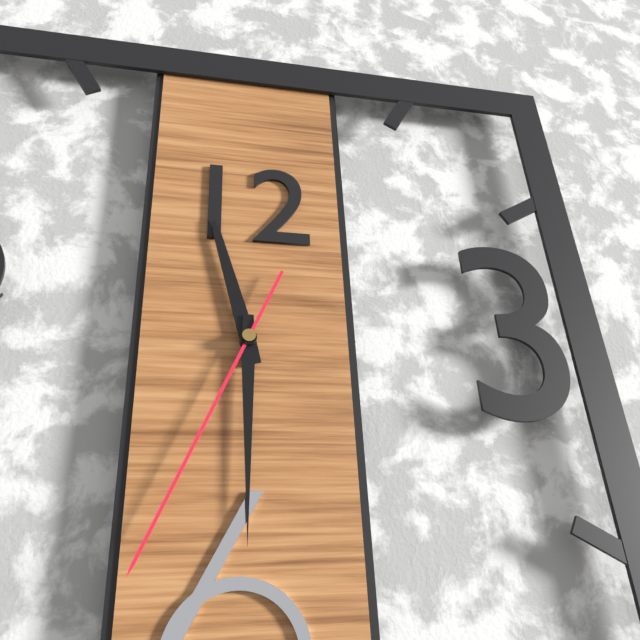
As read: 11:30:34
